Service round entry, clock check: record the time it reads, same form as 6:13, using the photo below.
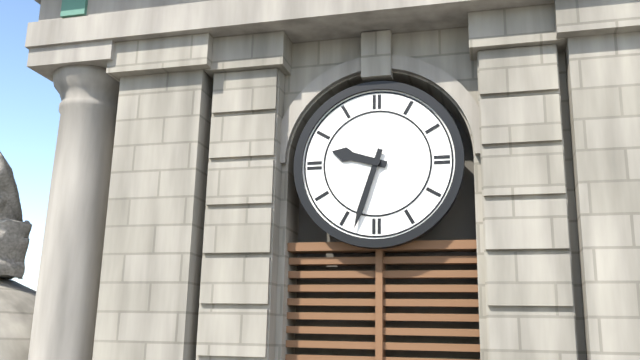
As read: 9:33
